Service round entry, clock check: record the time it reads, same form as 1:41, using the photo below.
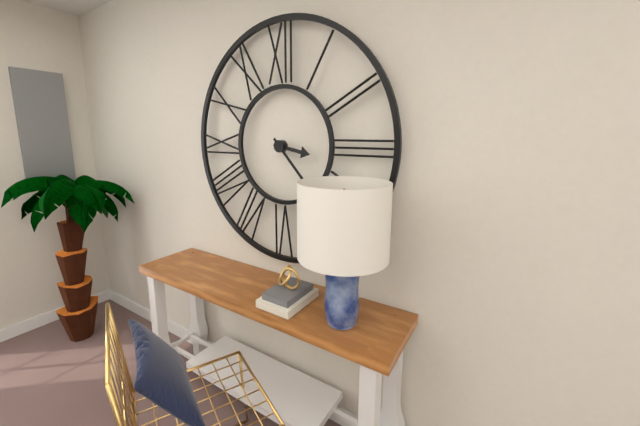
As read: 3:23
